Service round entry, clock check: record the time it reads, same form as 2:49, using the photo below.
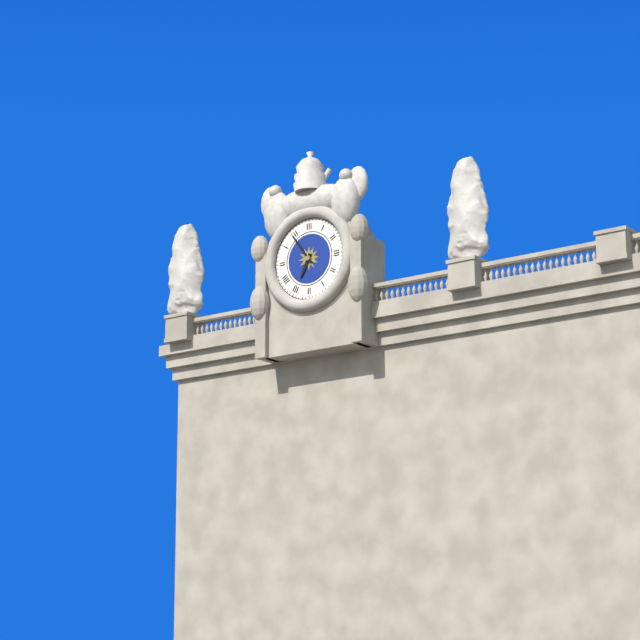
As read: 6:54
